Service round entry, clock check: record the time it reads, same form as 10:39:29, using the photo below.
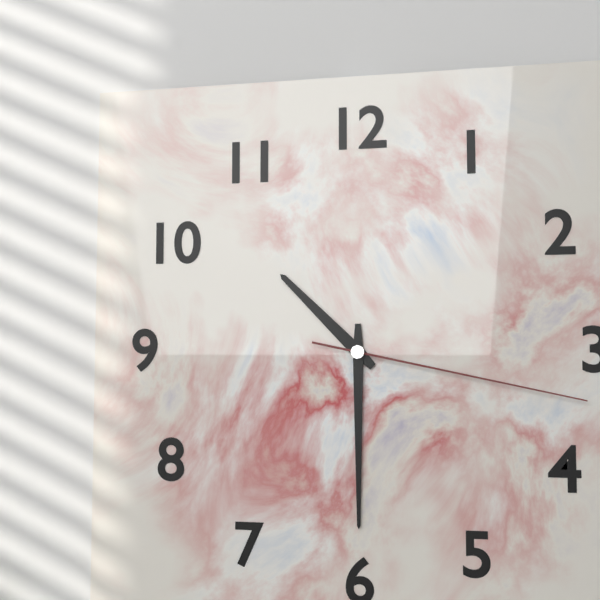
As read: 10:30:17
